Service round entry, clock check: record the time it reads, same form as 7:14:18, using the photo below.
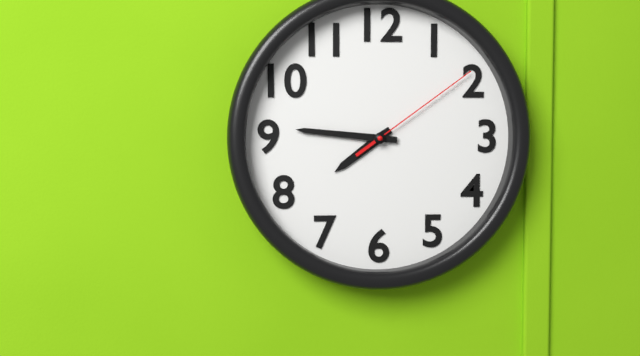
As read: 7:46:09
